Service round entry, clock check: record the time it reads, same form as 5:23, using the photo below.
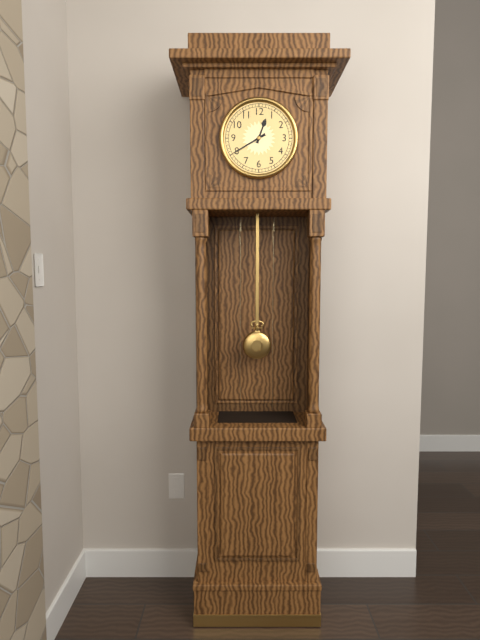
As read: 12:40
